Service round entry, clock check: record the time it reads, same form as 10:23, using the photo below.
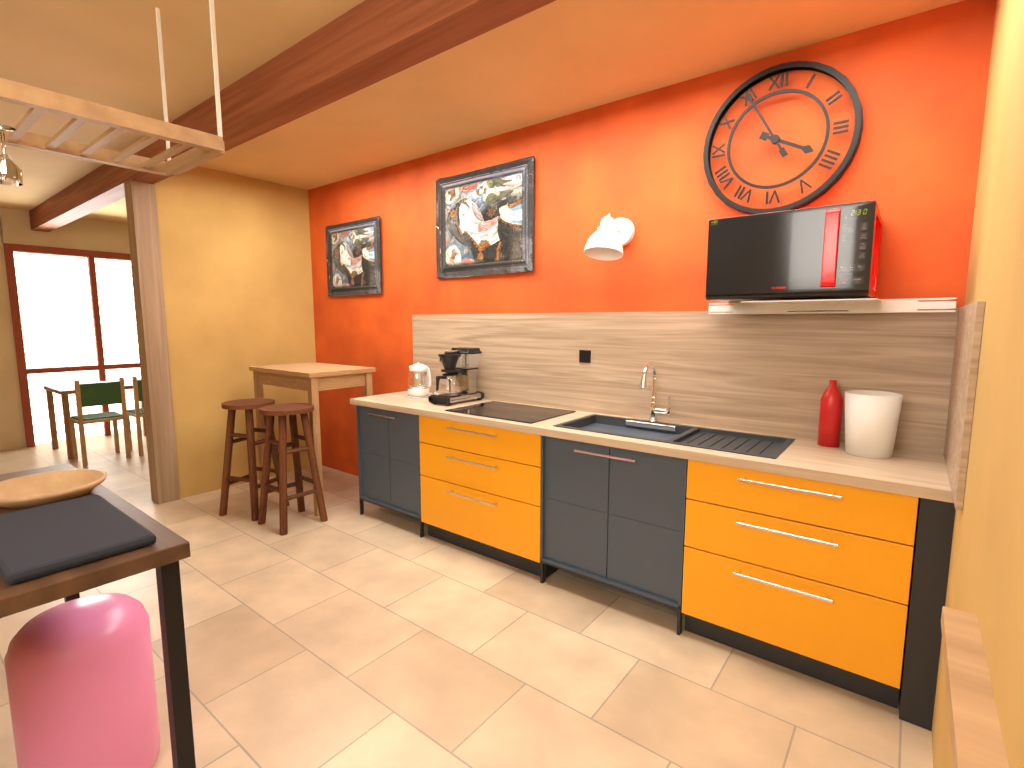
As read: 3:55
